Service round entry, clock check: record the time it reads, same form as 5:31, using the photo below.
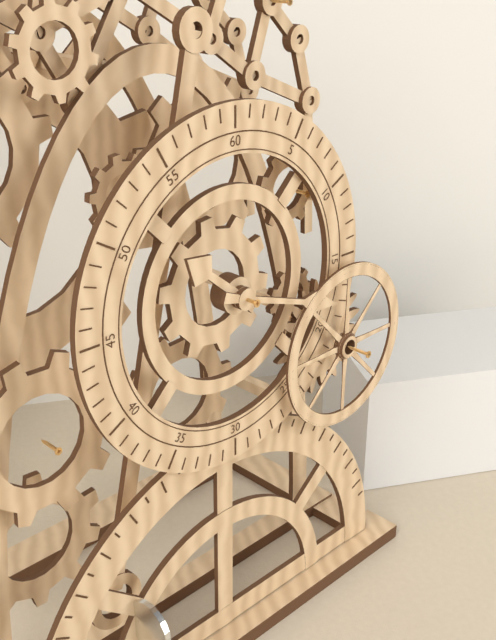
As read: 10:18
